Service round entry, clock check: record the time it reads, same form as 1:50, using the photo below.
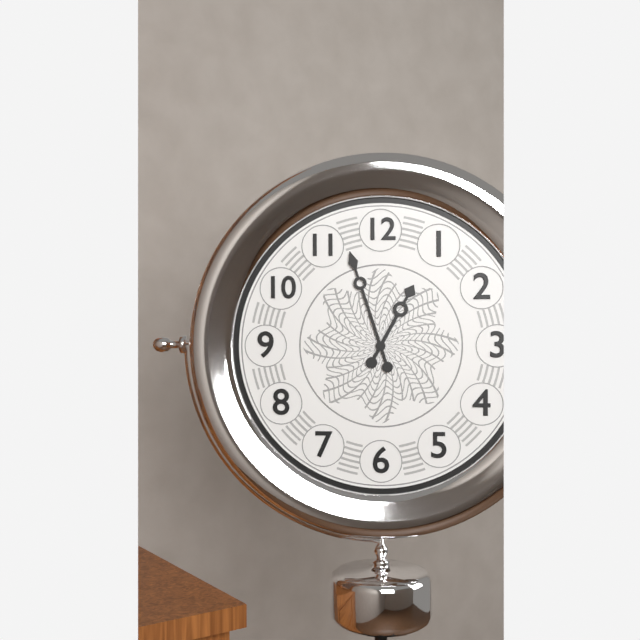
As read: 12:57
